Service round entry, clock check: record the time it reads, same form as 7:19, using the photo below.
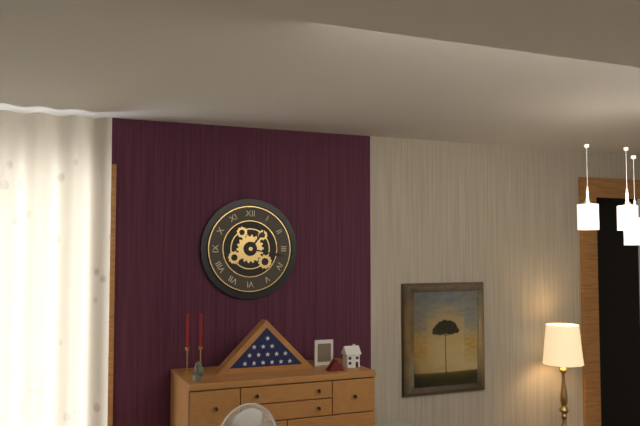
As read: 1:17
